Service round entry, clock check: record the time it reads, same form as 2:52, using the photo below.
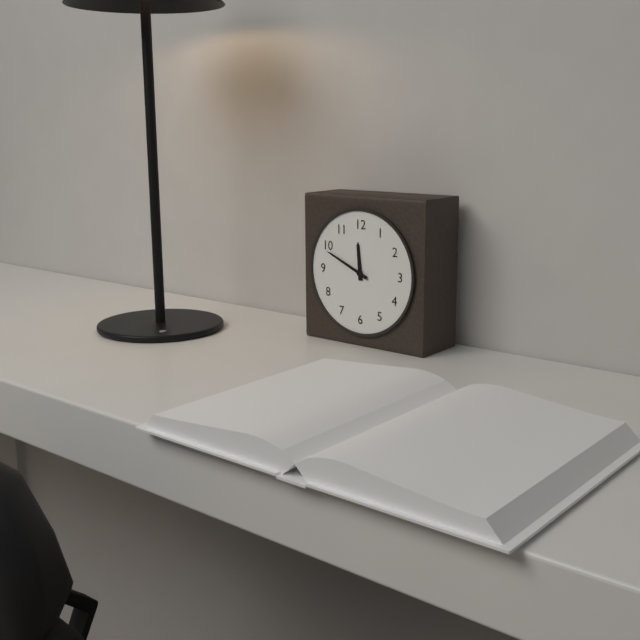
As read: 11:49
